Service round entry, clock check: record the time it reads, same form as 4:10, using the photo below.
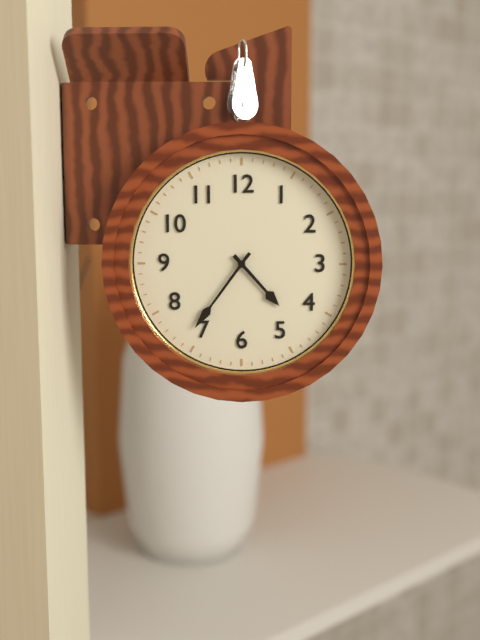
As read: 4:36
